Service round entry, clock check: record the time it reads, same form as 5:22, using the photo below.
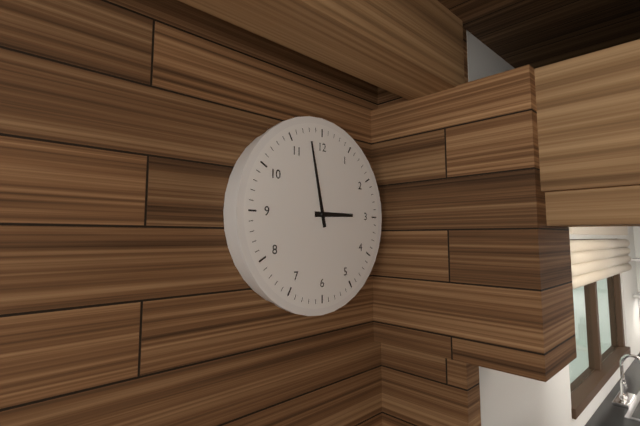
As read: 2:58
